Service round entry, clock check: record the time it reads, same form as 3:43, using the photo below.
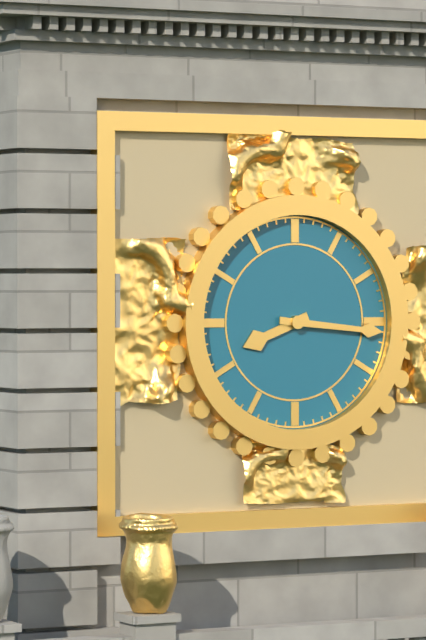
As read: 8:16
